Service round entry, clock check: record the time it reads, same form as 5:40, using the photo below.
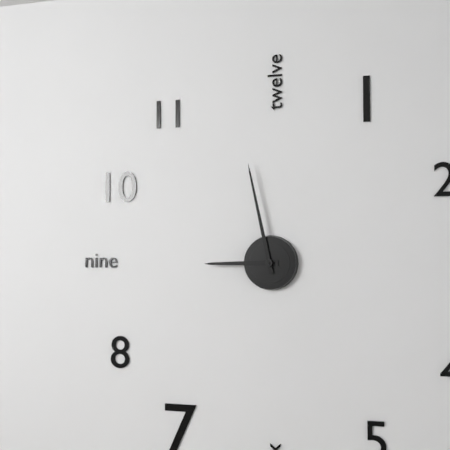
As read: 8:58
